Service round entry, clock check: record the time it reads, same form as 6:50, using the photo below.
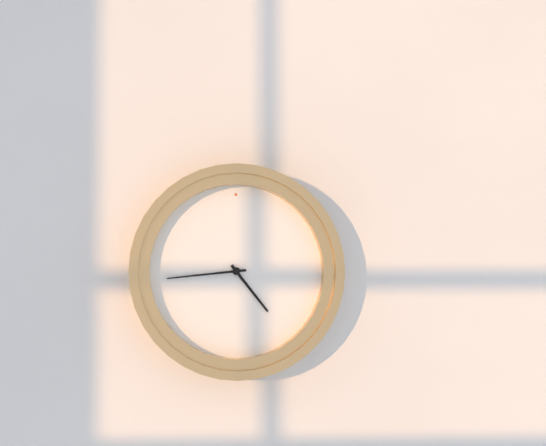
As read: 4:44
